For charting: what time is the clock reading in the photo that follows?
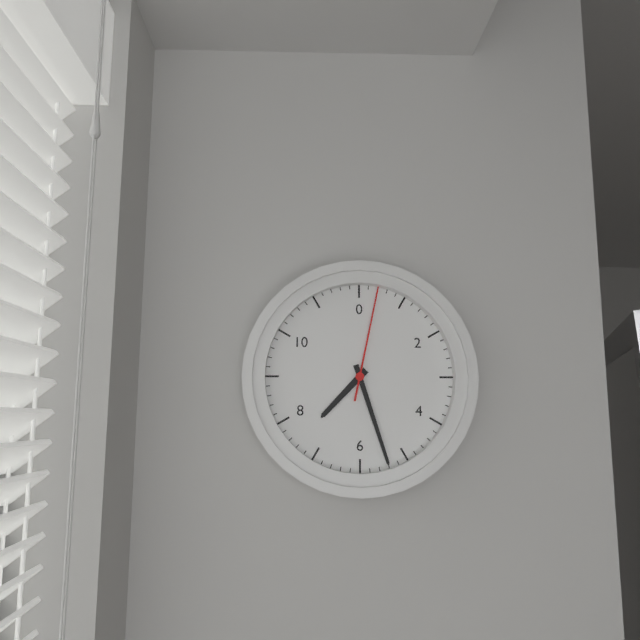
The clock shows 7:27:02
